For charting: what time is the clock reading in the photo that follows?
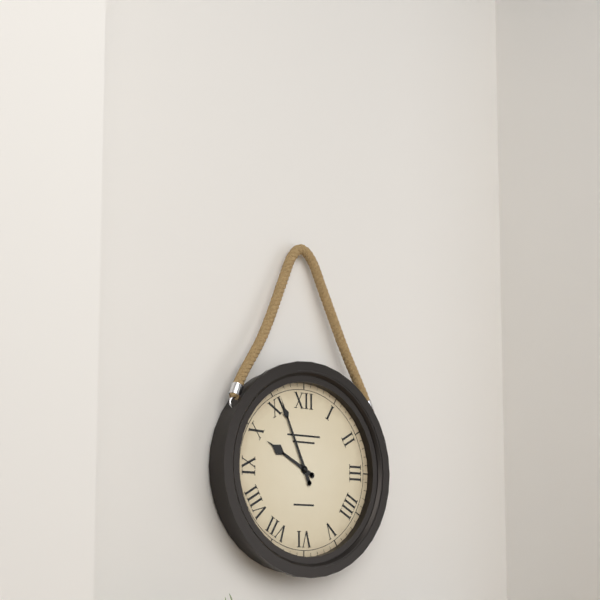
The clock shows 9:56
